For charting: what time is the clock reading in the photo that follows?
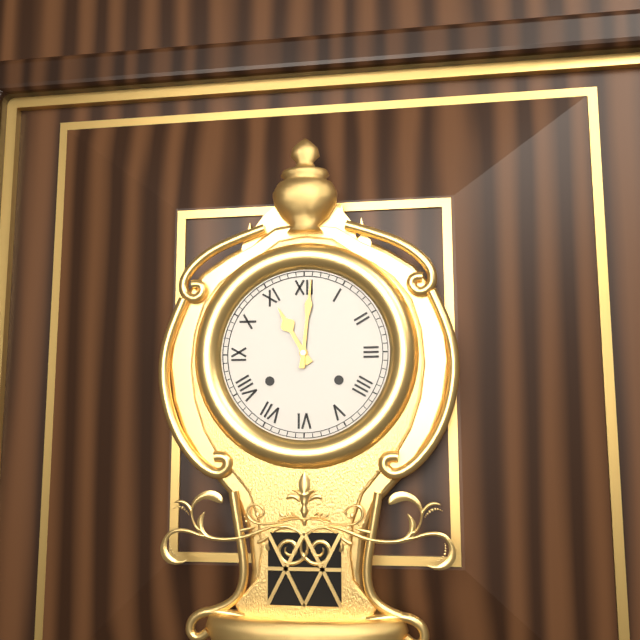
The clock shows 11:01
